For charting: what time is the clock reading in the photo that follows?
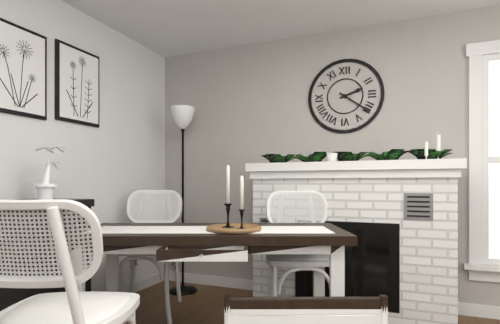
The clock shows 2:21
